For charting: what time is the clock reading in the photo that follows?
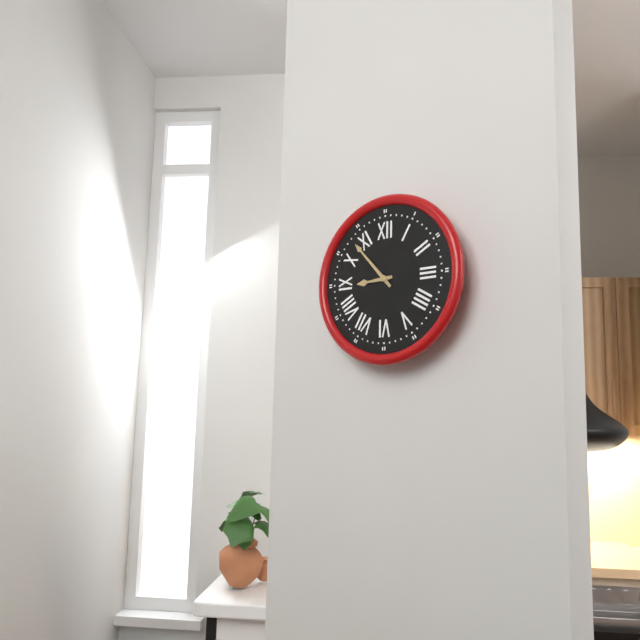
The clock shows 8:53
